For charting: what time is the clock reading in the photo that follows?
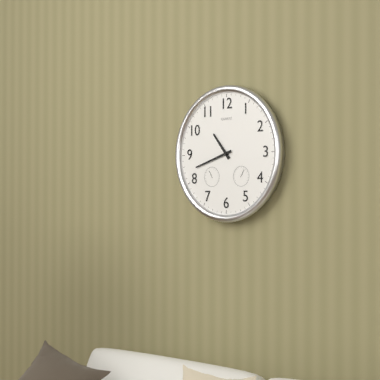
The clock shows 10:42
